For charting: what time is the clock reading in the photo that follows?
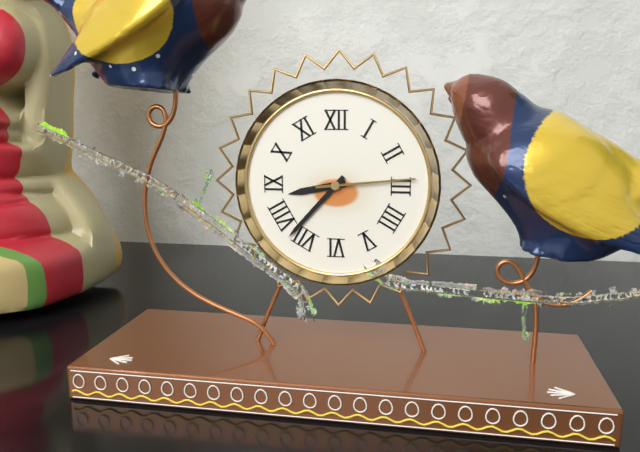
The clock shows 8:37:14
